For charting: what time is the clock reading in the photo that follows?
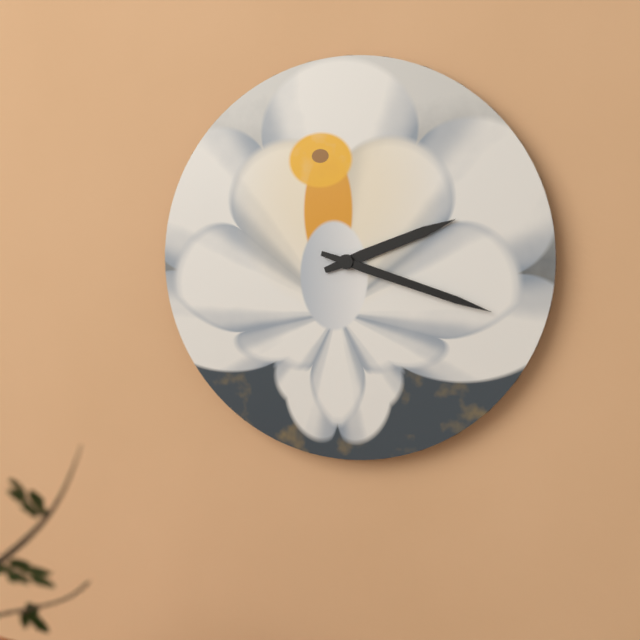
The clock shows 2:18
